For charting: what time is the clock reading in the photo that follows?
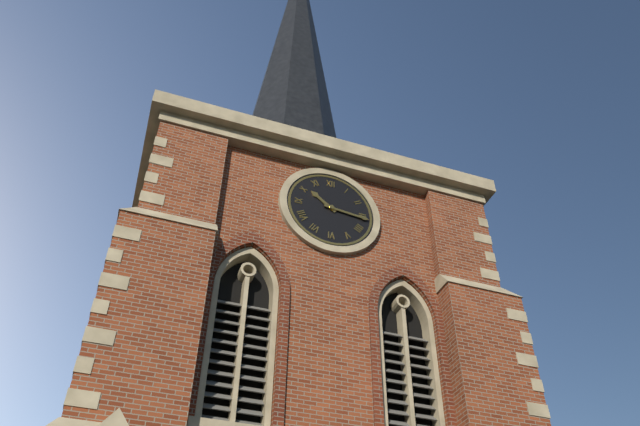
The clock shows 10:16
